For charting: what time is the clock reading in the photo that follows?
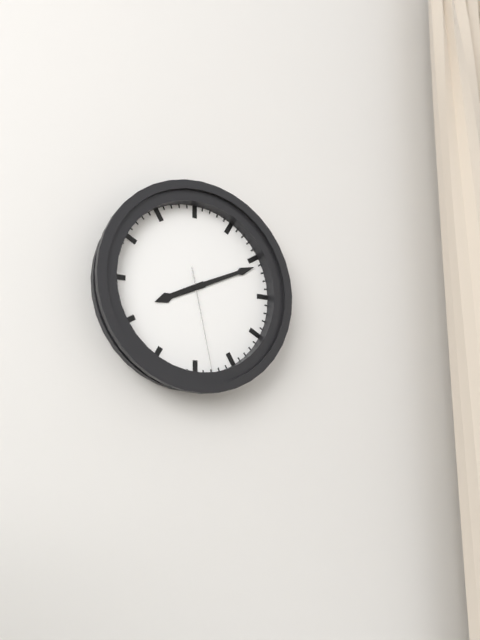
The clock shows 8:11:28
